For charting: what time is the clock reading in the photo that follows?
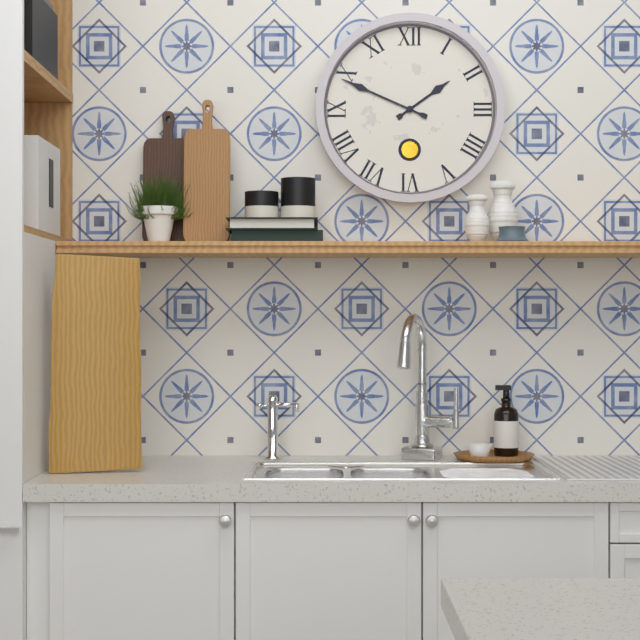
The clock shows 1:49
